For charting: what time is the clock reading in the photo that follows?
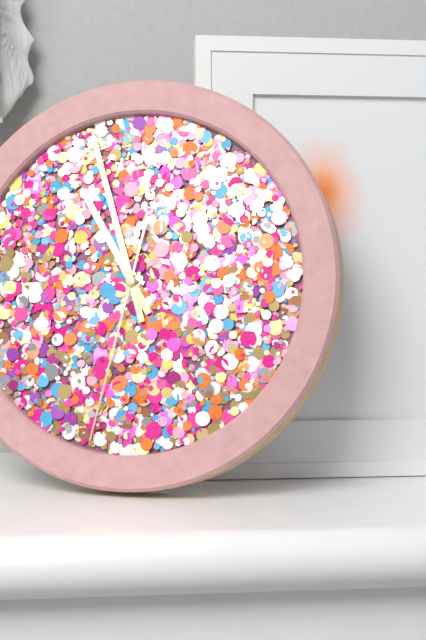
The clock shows 10:57:32
